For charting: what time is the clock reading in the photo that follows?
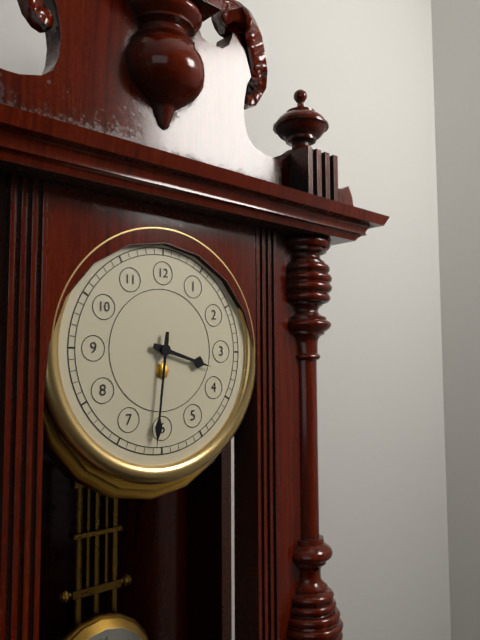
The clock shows 3:31
